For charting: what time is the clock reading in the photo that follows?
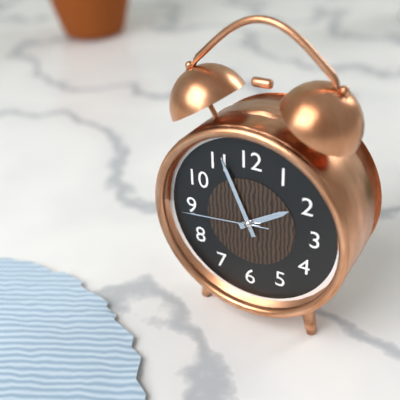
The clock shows 1:56:44
